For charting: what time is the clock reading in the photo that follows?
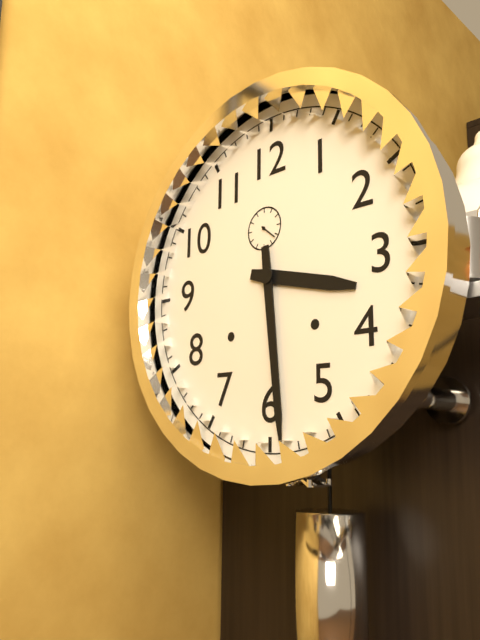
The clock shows 3:29
